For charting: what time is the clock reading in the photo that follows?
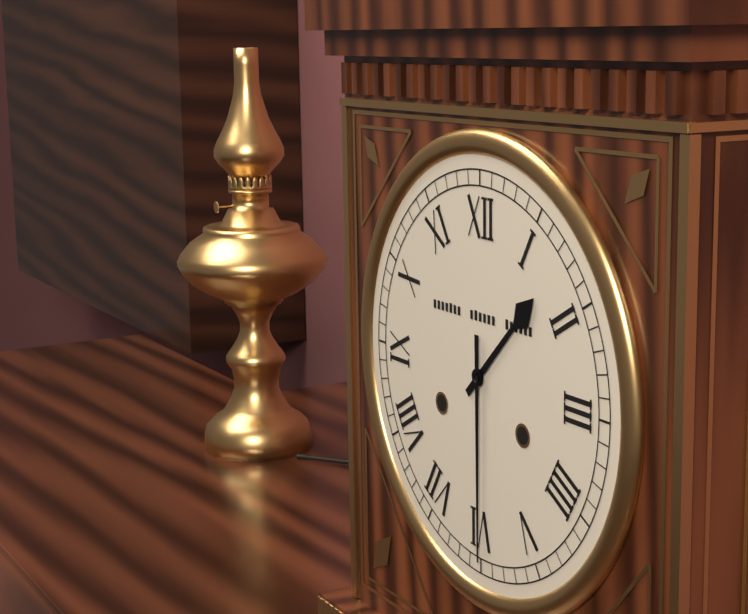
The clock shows 1:30
